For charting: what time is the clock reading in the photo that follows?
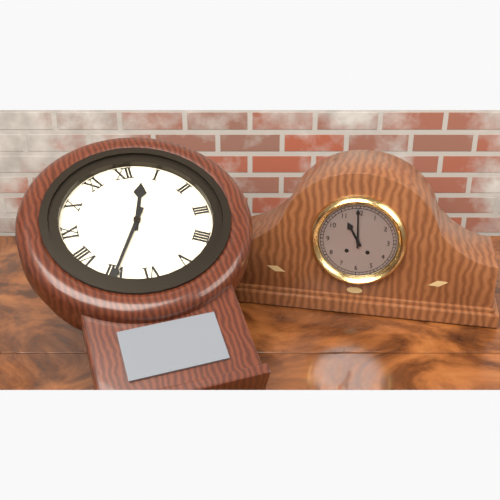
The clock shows 12:35
